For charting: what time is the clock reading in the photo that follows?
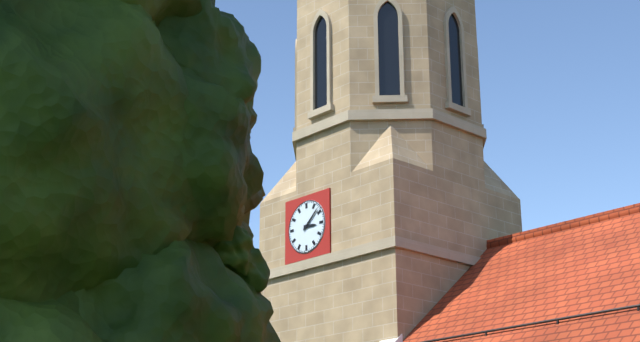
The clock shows 3:08
